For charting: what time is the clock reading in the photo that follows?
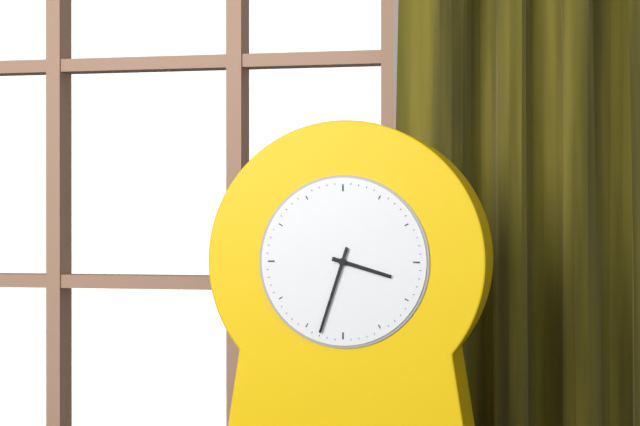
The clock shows 3:33
